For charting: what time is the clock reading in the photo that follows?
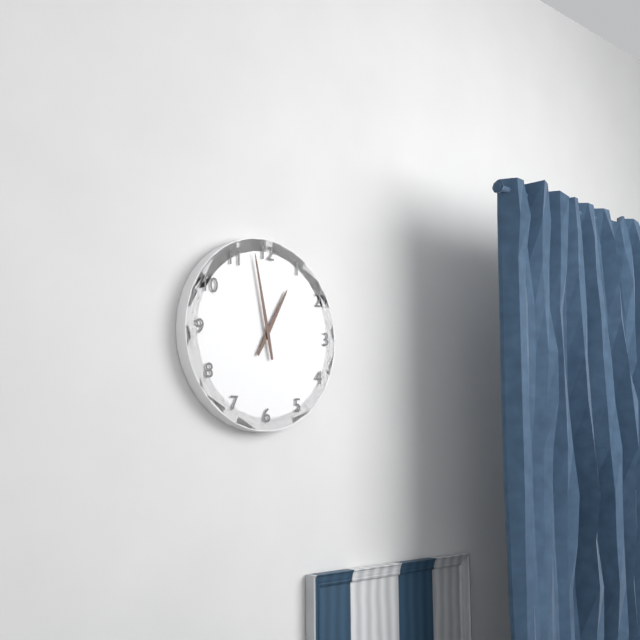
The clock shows 12:58
